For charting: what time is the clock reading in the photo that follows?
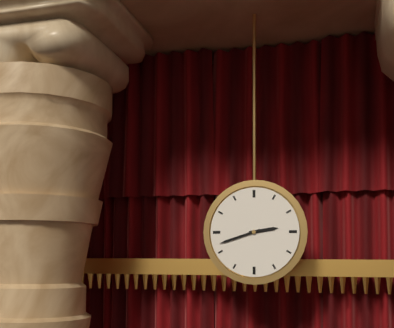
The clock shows 2:42
